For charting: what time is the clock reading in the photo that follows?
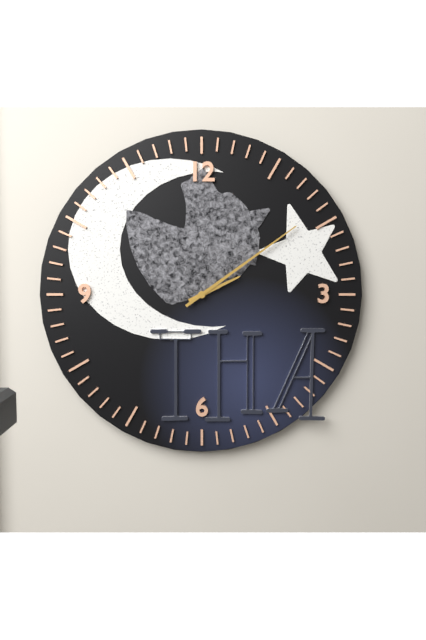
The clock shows 2:09
